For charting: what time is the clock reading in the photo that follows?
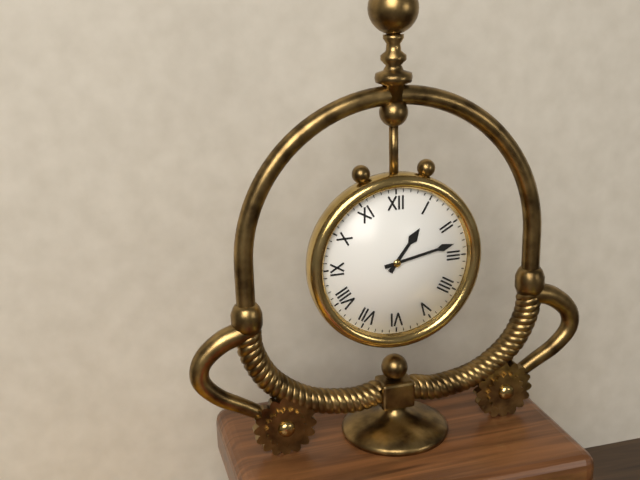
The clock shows 1:13
